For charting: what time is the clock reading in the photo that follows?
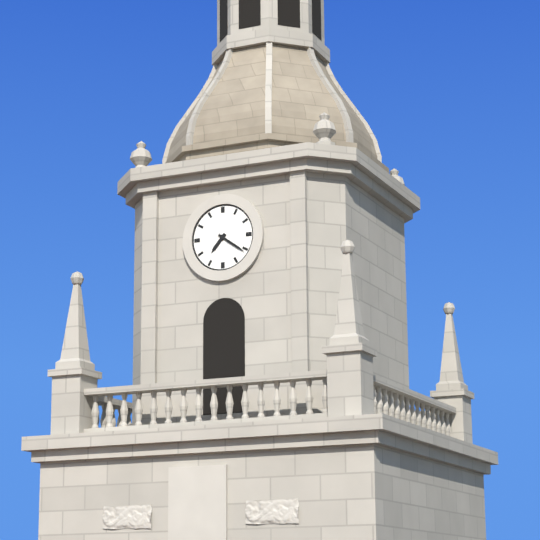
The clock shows 7:21
